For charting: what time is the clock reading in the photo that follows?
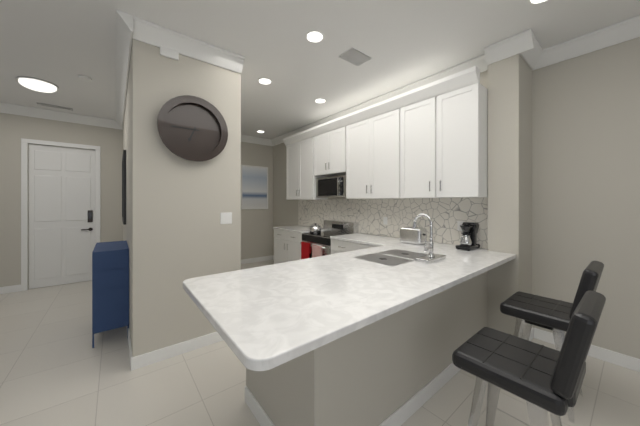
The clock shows 6:45
